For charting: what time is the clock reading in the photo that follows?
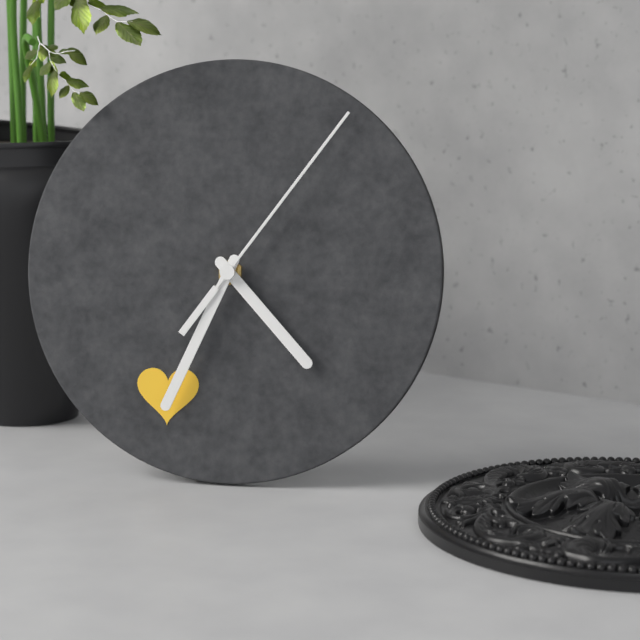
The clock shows 4:34:06
